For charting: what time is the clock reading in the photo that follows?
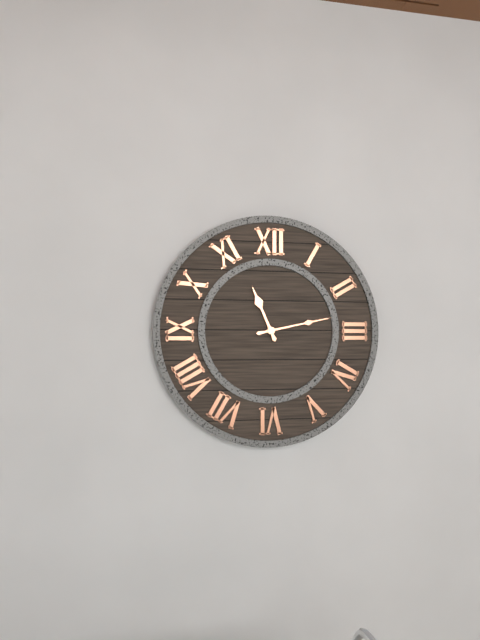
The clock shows 11:13
